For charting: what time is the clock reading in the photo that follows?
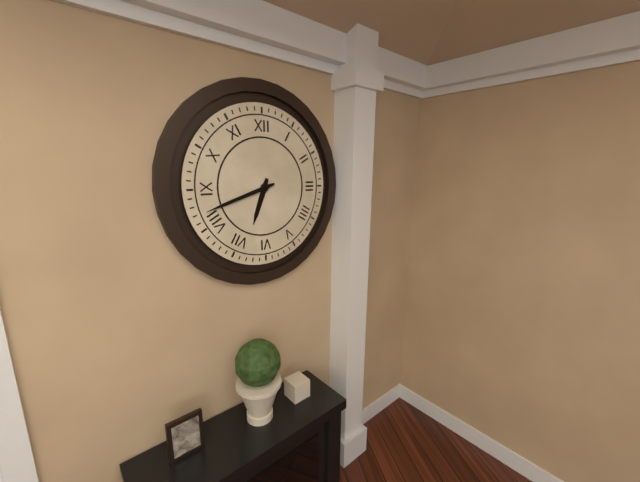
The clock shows 6:42
